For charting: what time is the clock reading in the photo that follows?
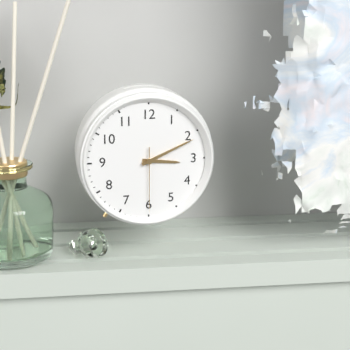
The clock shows 3:11:30
